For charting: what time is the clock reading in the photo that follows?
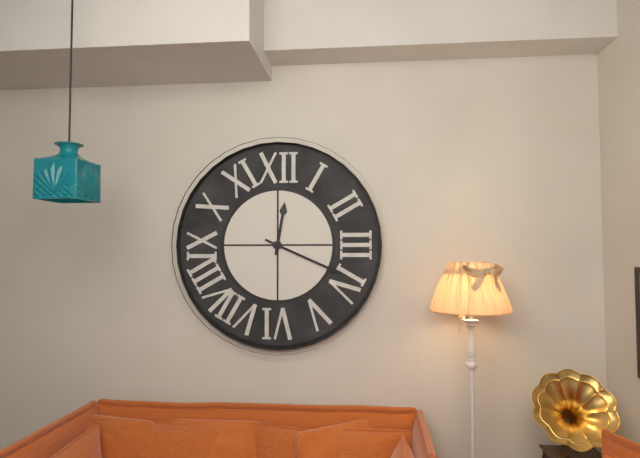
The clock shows 12:19
